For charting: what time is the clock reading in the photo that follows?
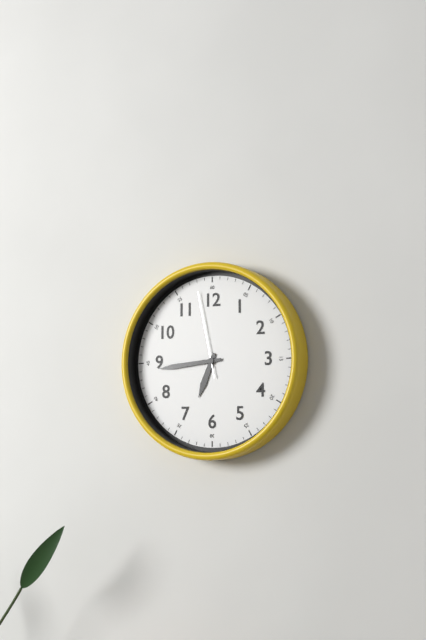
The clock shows 6:44:58
